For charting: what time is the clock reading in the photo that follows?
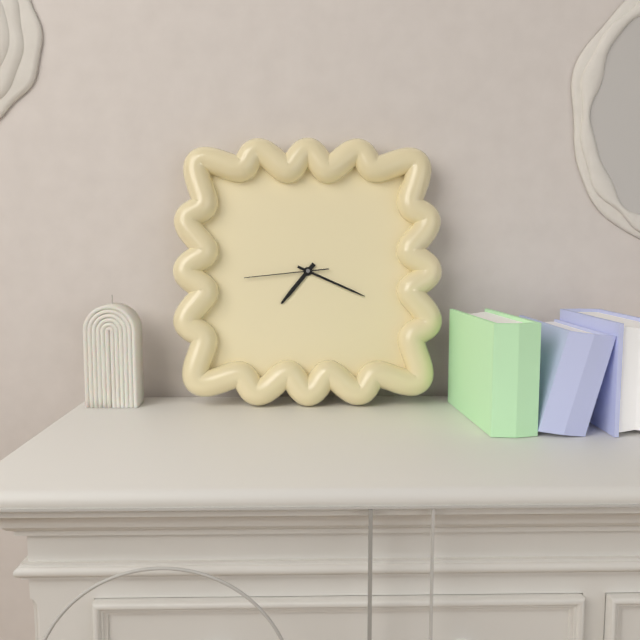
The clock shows 7:19:44
